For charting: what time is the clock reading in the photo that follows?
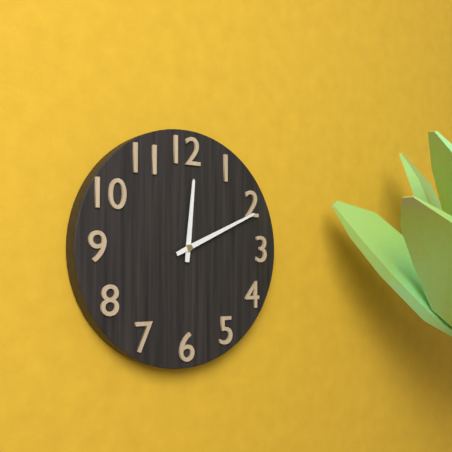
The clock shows 12:11
